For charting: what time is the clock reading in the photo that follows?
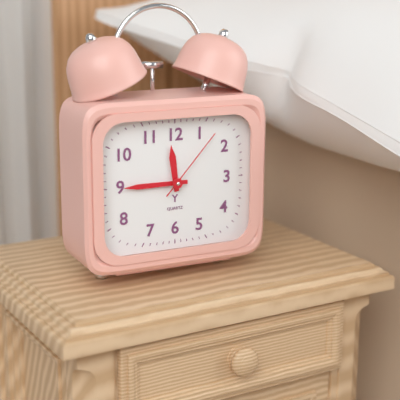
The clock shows 11:45:07
